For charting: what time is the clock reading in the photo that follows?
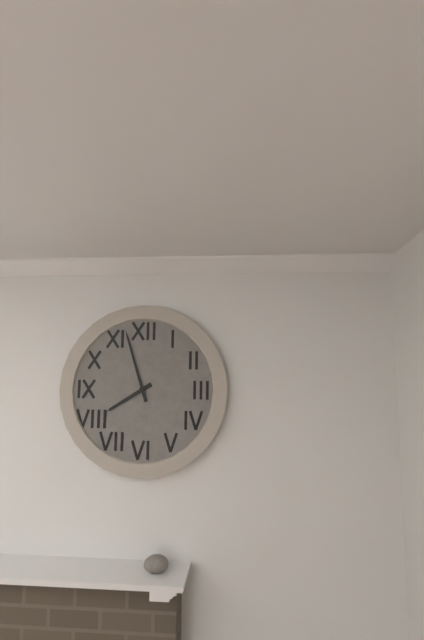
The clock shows 7:57
